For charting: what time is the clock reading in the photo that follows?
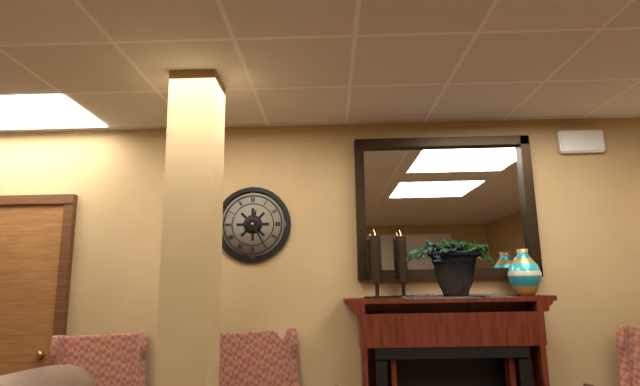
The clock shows 12:25
